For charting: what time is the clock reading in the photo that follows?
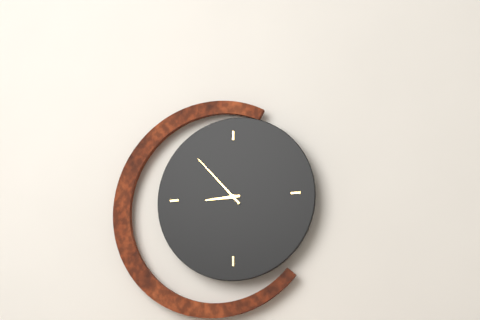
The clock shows 8:53
